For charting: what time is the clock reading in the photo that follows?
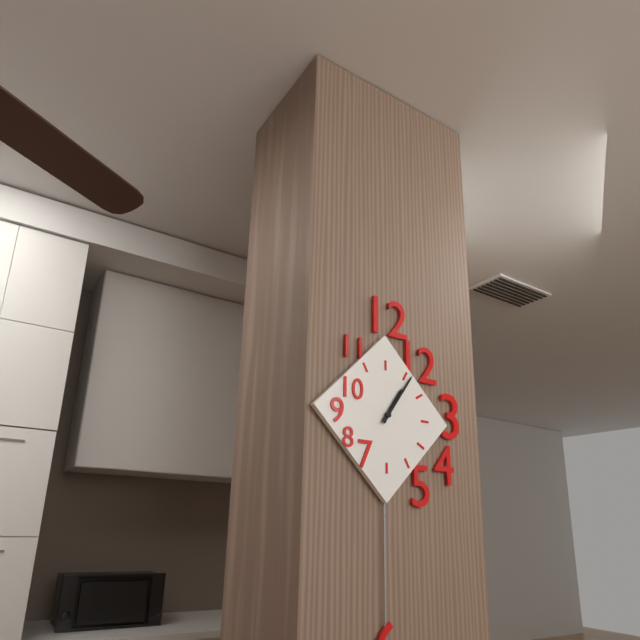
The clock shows 1:06
